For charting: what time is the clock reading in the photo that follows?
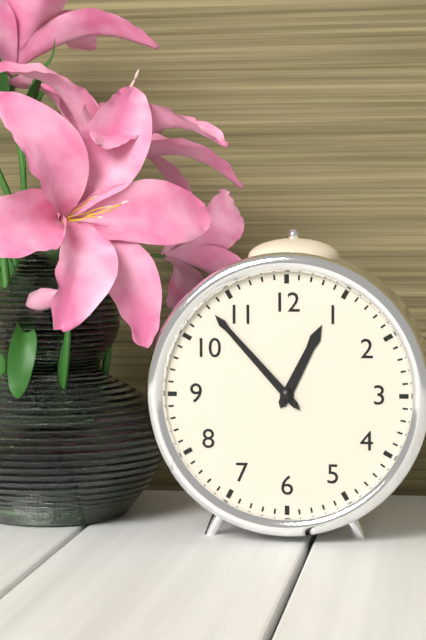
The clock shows 12:53
